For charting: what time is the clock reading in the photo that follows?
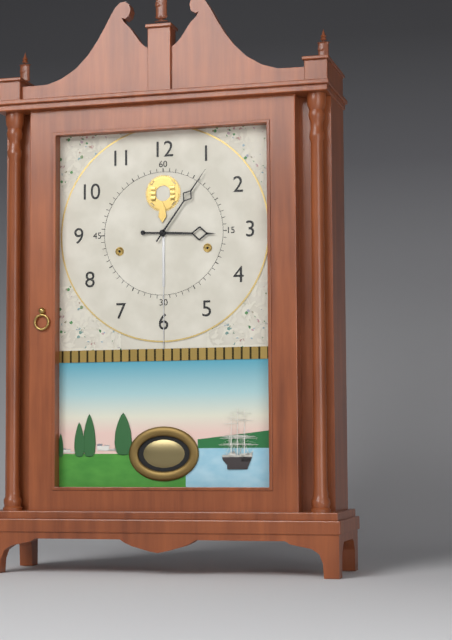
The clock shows 3:06
